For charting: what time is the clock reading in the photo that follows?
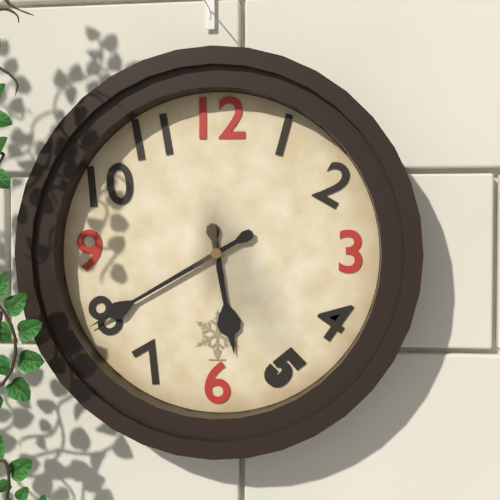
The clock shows 5:40
